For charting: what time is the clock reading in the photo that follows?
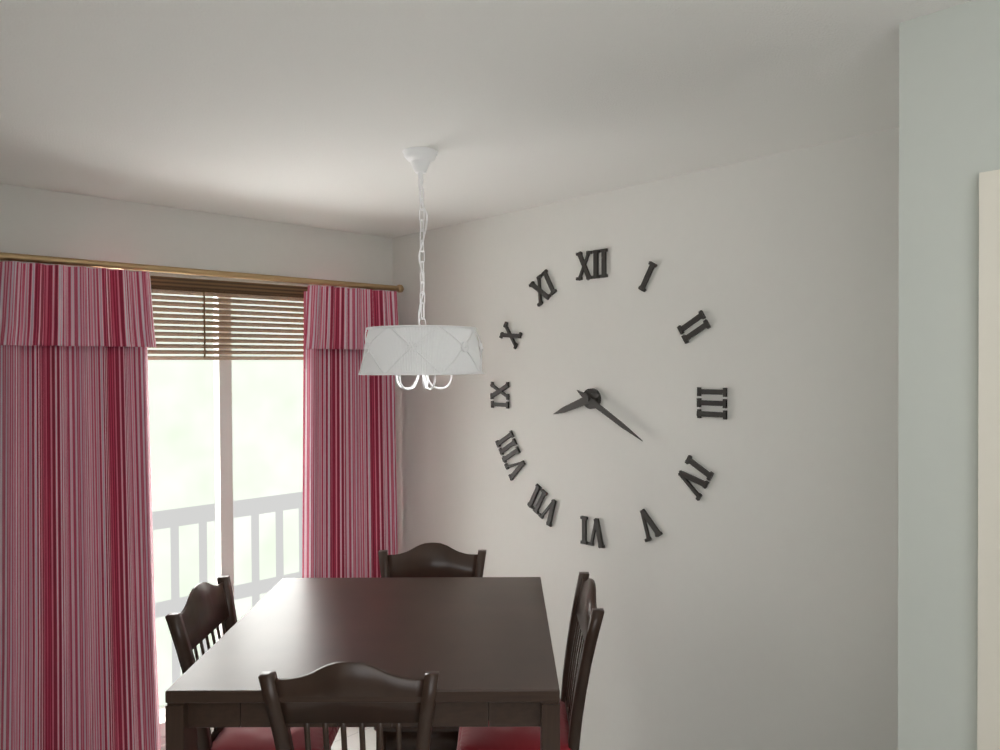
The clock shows 8:20
